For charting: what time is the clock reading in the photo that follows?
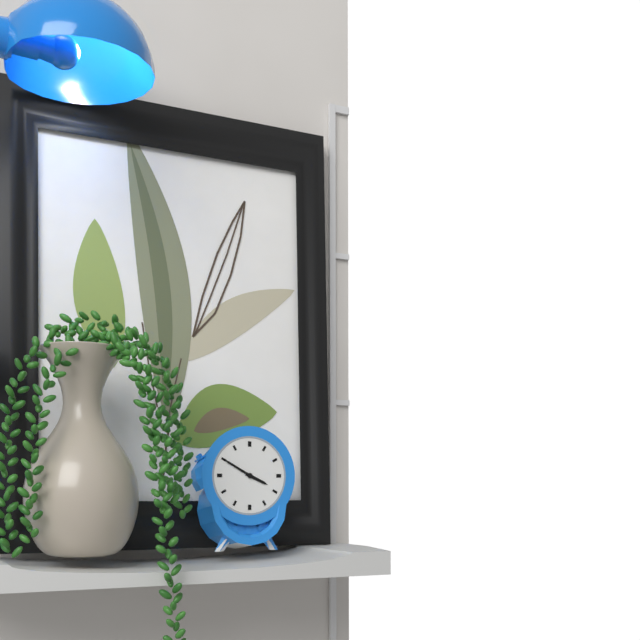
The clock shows 3:50
